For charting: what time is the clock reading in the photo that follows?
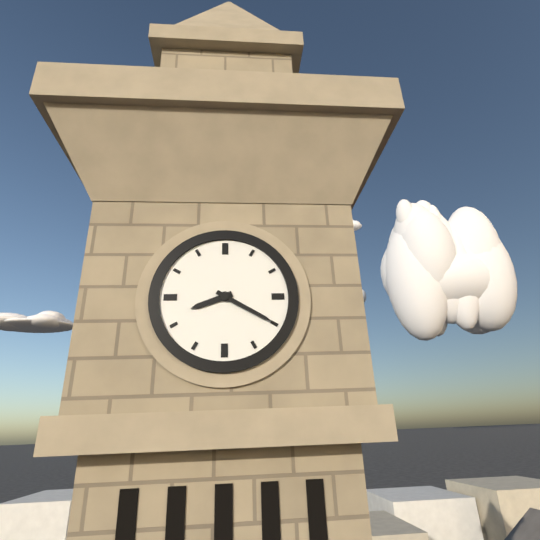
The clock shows 8:20
